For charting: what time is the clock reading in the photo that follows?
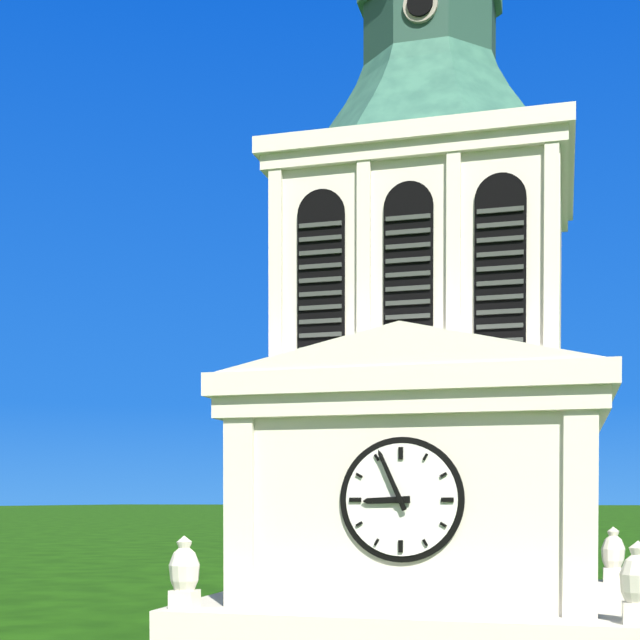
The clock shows 8:56
